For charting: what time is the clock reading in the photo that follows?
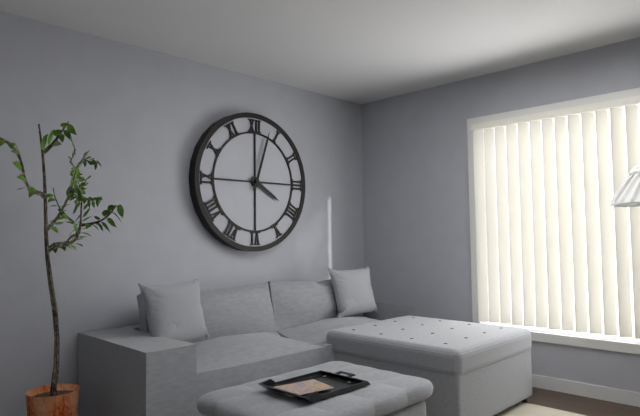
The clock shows 4:03
